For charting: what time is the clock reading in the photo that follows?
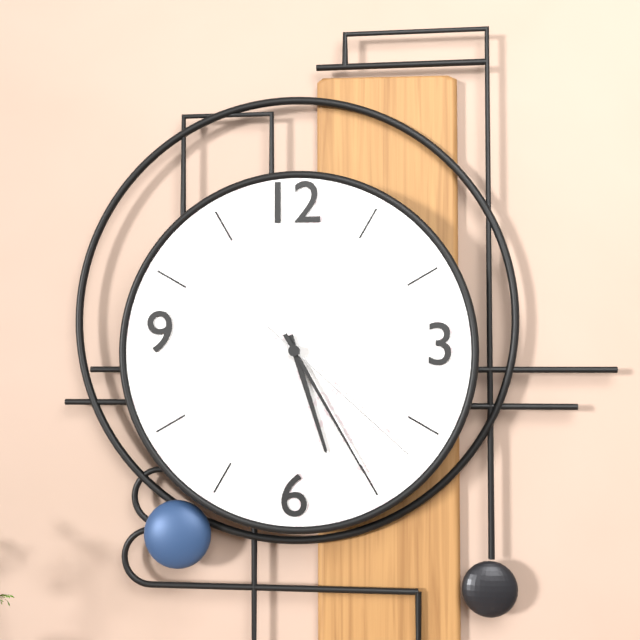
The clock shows 5:25:22
